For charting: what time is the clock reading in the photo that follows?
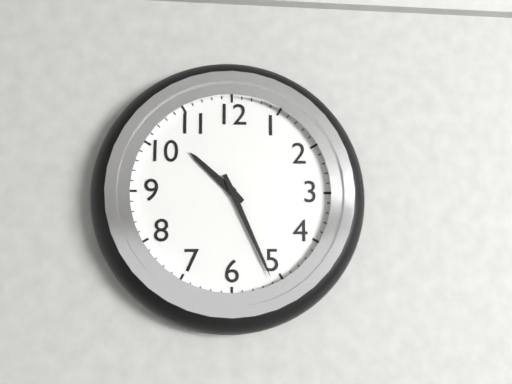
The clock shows 10:26
